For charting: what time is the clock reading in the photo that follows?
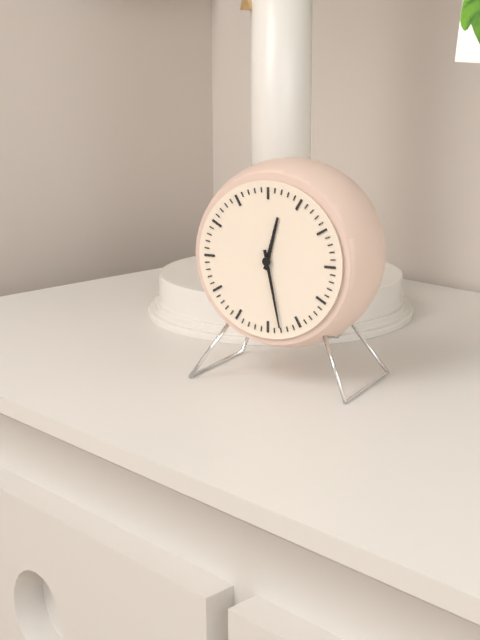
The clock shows 12:28
